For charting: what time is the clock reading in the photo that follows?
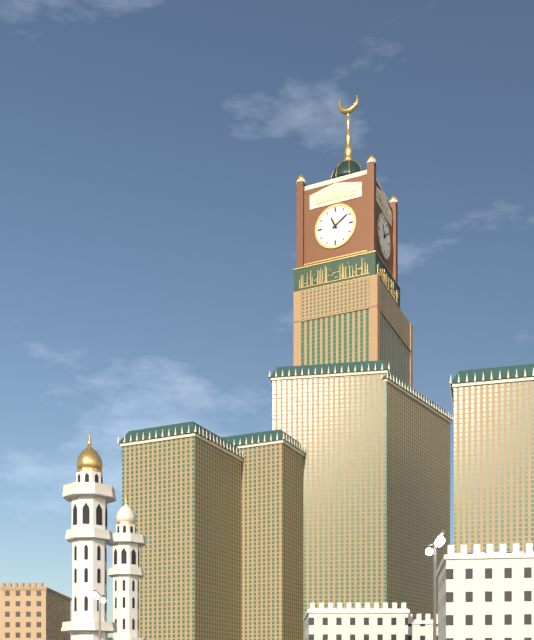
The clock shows 11:09
